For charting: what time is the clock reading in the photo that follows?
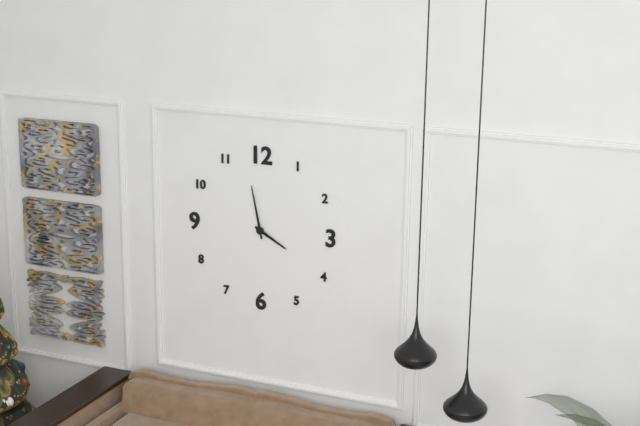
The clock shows 3:58
